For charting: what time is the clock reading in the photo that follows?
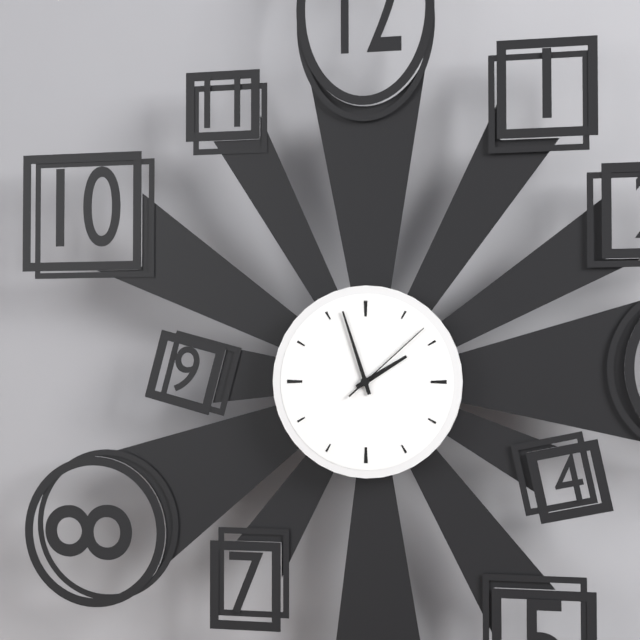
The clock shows 1:57:08
